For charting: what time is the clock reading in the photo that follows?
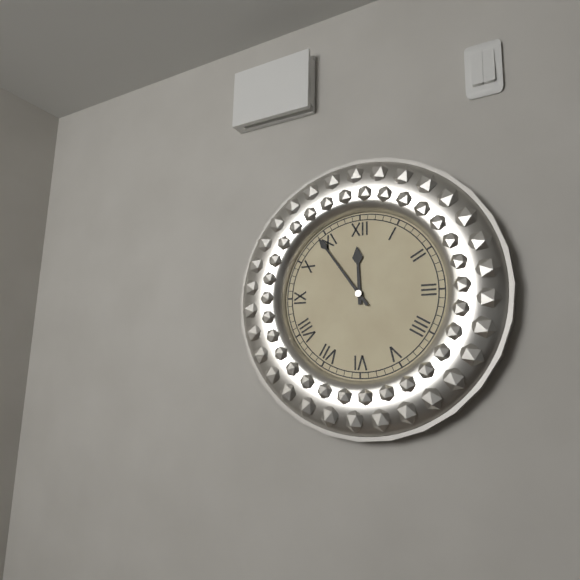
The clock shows 11:54
